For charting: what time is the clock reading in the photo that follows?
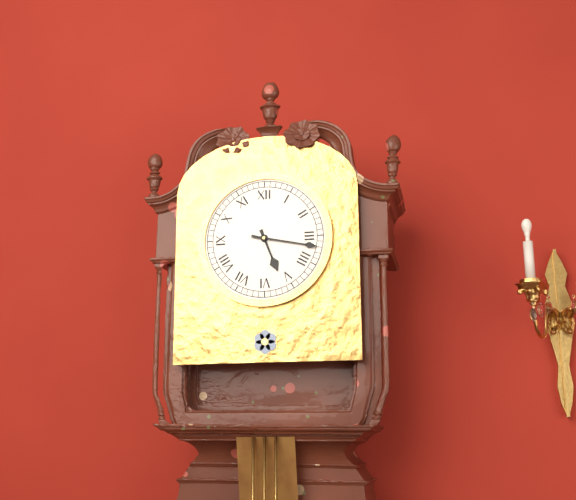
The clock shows 5:17
